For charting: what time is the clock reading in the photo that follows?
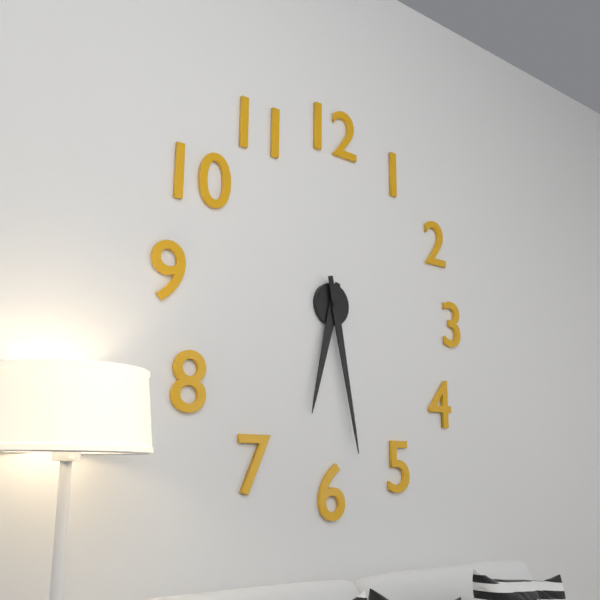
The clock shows 6:28
